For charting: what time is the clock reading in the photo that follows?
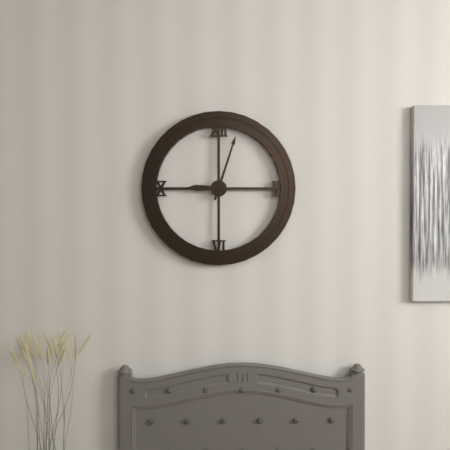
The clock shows 9:03
